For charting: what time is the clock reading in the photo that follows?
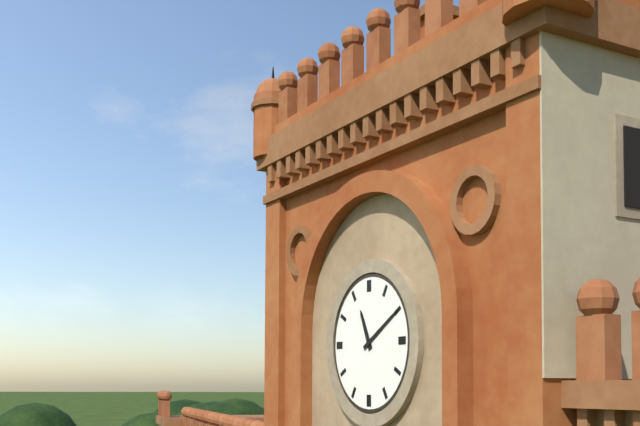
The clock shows 11:10
